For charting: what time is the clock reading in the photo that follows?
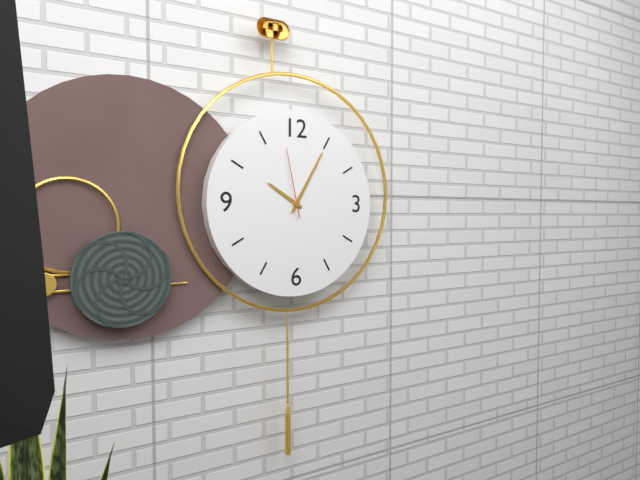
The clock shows 10:05:58
